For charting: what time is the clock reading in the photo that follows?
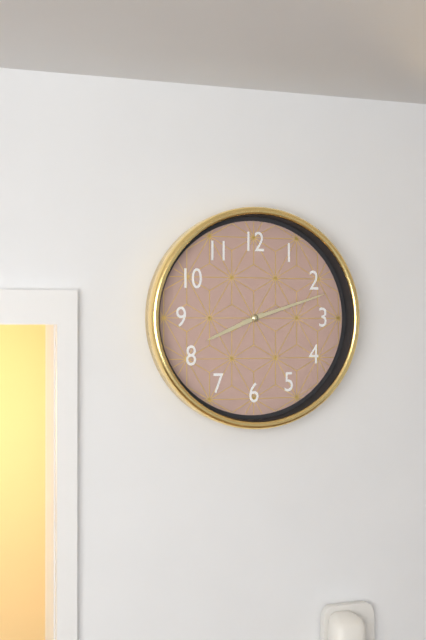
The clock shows 8:12
